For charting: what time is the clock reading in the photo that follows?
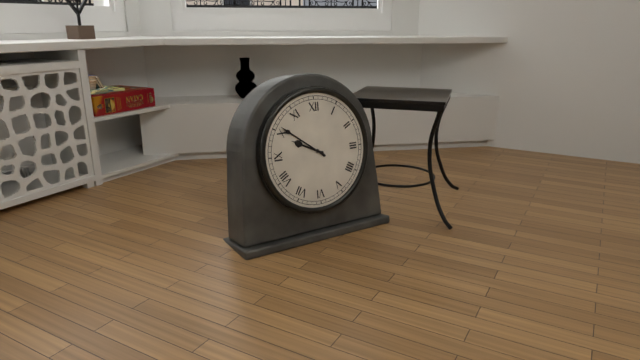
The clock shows 9:51
